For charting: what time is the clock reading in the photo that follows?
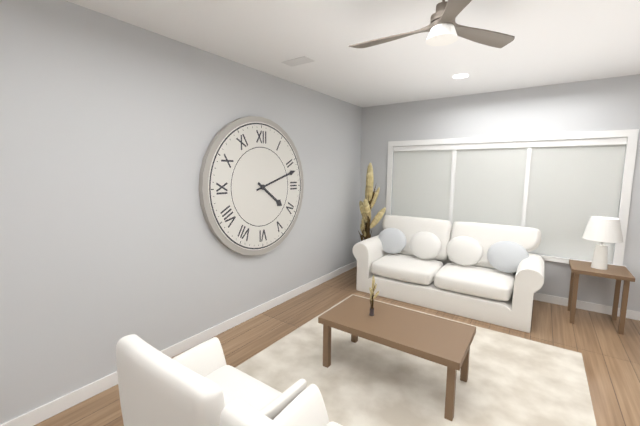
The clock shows 4:12
